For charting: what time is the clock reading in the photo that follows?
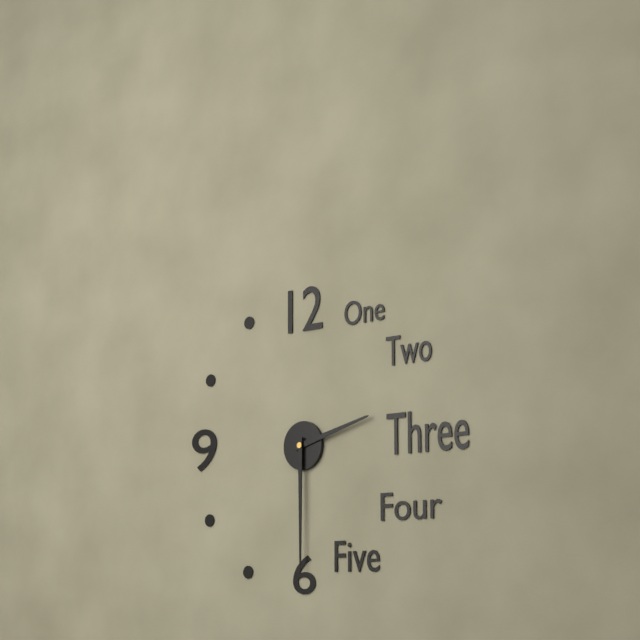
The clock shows 2:30
